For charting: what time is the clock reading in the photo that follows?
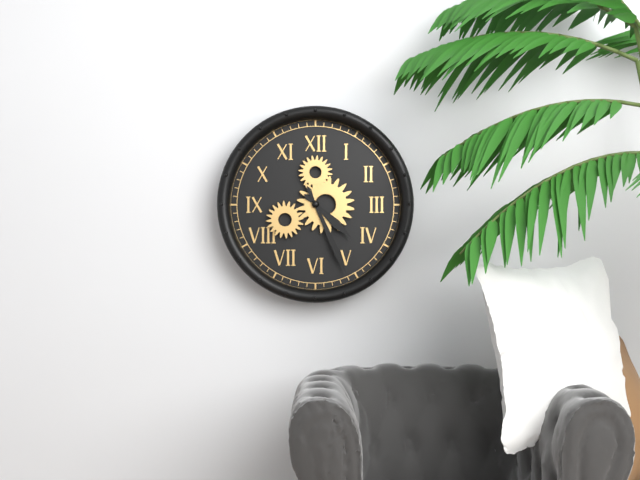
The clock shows 4:26
